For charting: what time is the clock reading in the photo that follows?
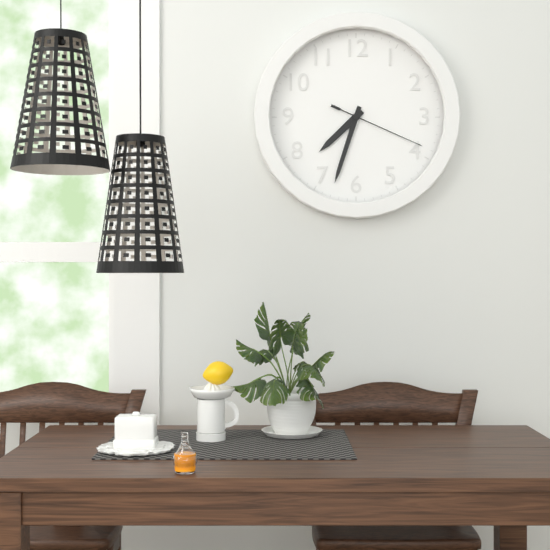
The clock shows 7:33:19
